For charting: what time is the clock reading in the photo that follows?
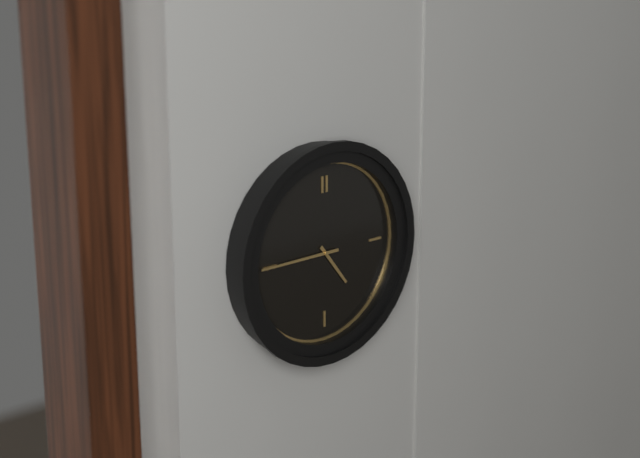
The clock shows 4:45
